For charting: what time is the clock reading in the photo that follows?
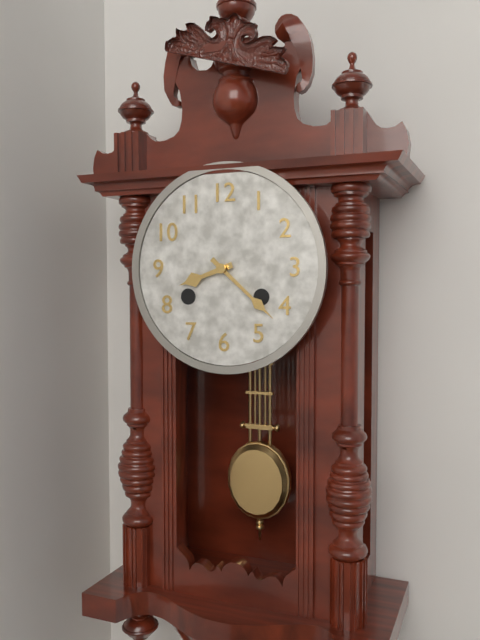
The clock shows 8:22
